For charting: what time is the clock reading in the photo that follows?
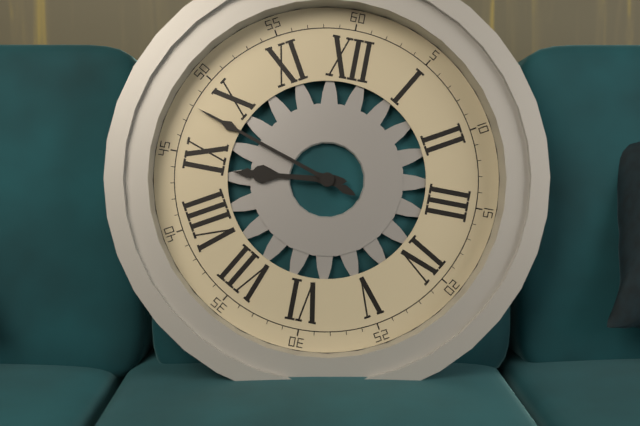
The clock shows 8:48
